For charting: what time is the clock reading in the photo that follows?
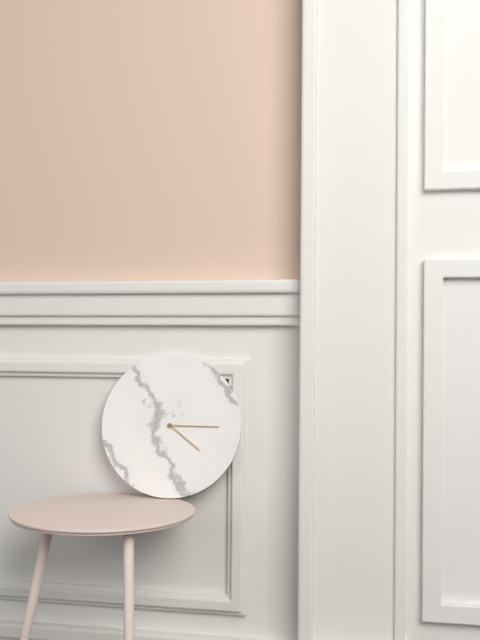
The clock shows 4:15
